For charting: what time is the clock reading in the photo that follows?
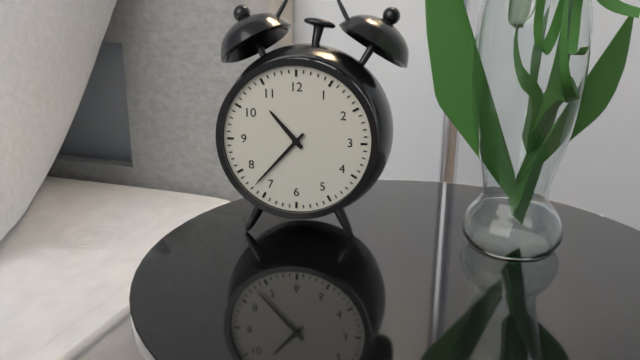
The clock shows 10:37
